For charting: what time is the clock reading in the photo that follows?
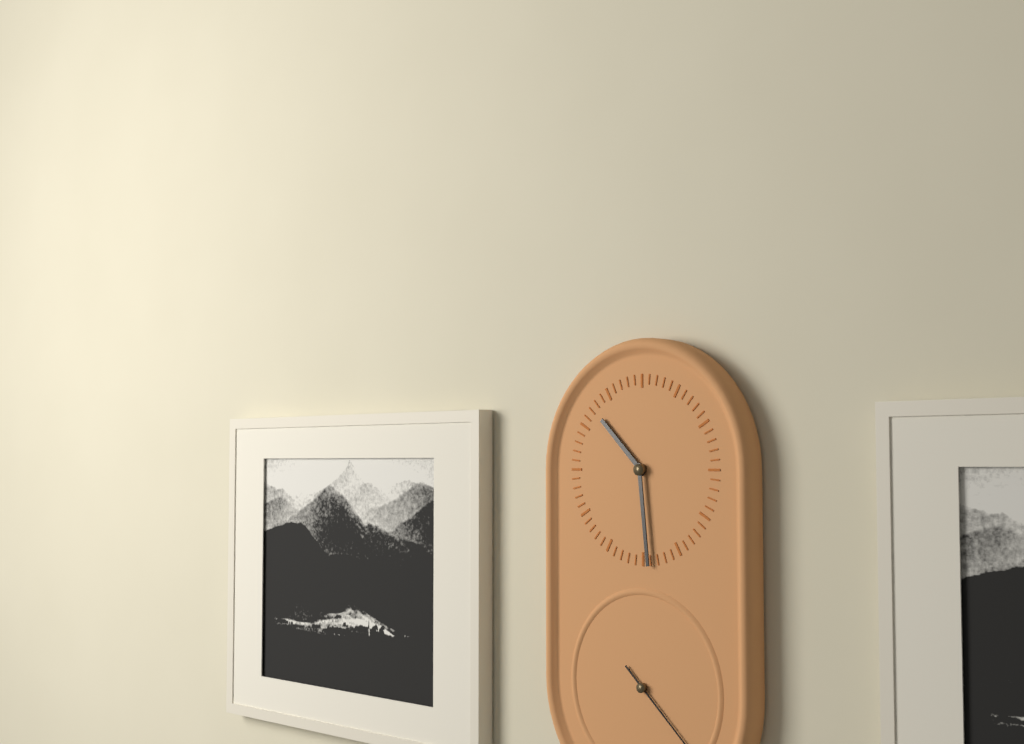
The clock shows 10:29
